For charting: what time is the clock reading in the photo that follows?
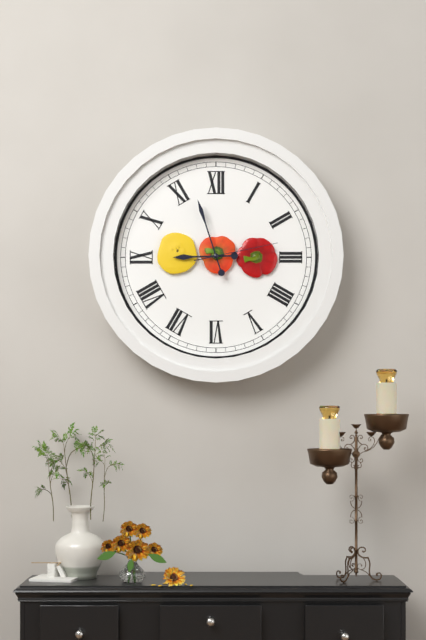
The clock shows 8:57:13
